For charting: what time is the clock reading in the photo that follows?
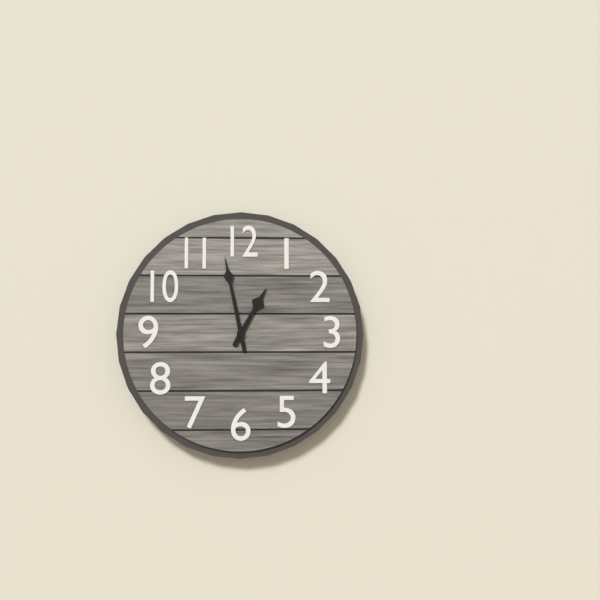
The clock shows 12:58
